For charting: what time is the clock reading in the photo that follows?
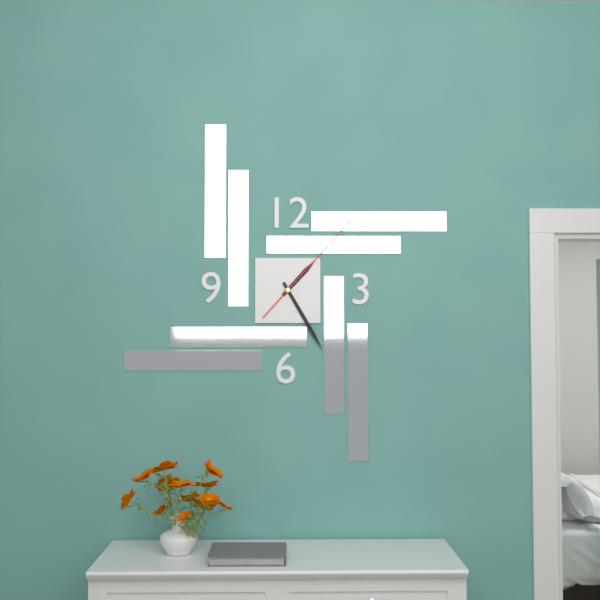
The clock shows 1:25:07
